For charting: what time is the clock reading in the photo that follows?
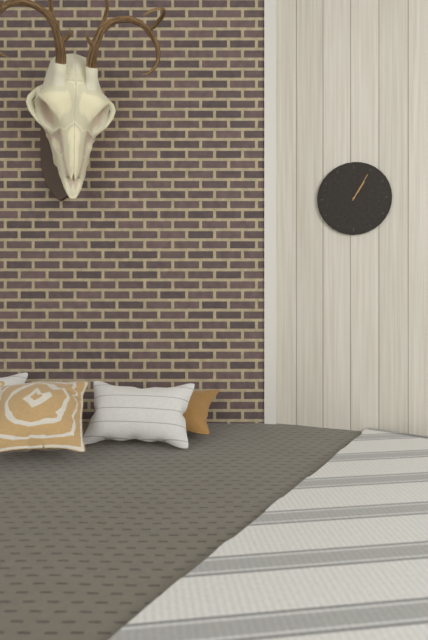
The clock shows 1:05
